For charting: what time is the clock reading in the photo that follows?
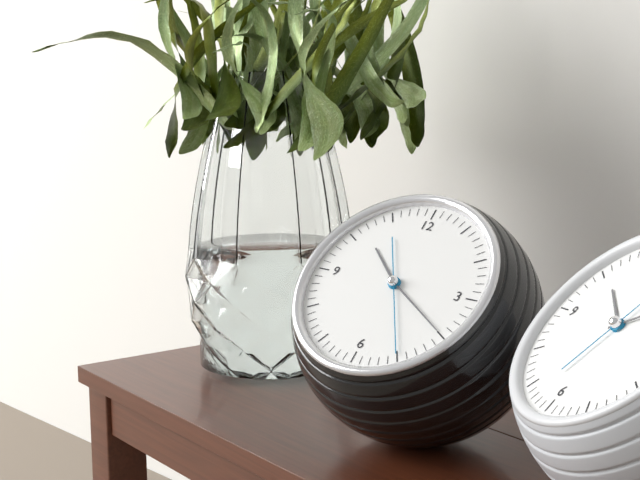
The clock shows 10:20:25
